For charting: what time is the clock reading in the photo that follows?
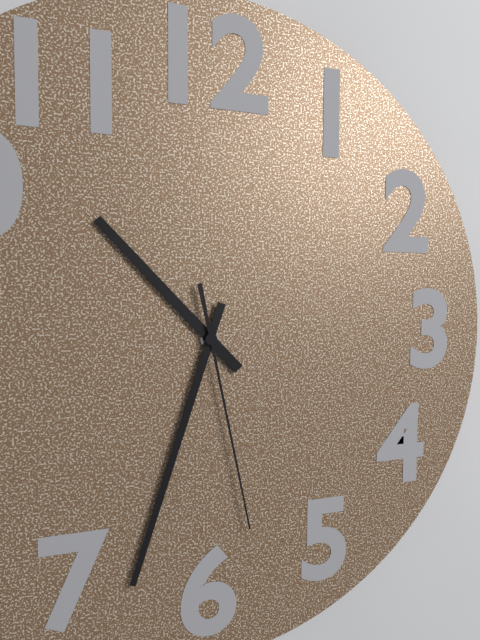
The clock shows 10:33:28
